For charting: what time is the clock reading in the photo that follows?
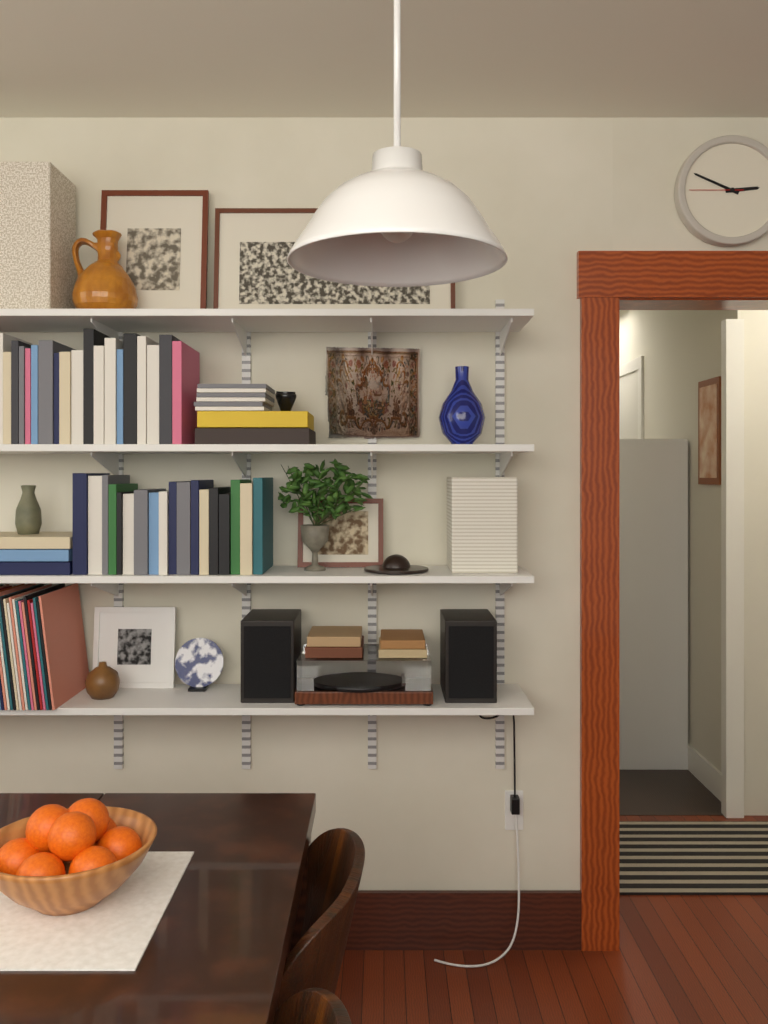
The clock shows 2:49
